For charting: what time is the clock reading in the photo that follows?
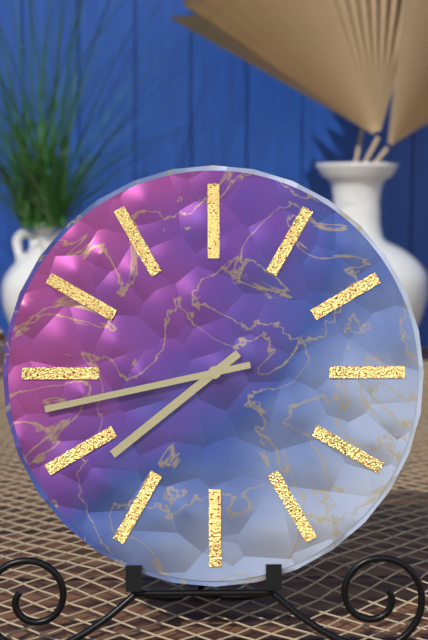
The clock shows 7:43
